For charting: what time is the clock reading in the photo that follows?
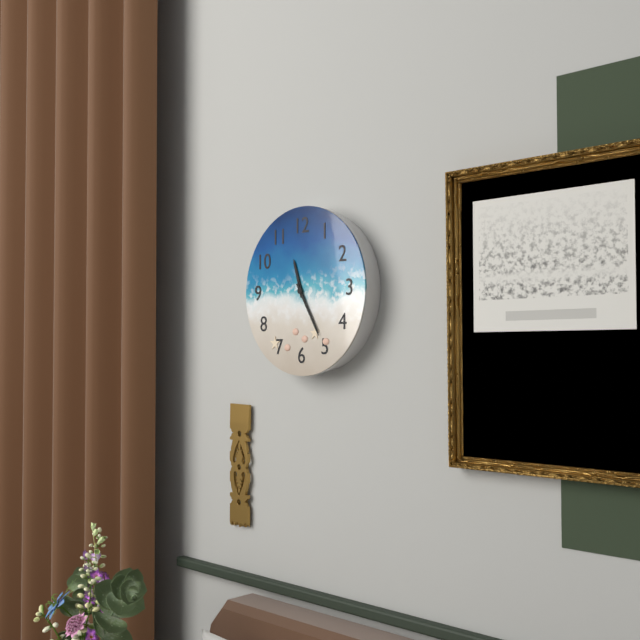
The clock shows 11:25
